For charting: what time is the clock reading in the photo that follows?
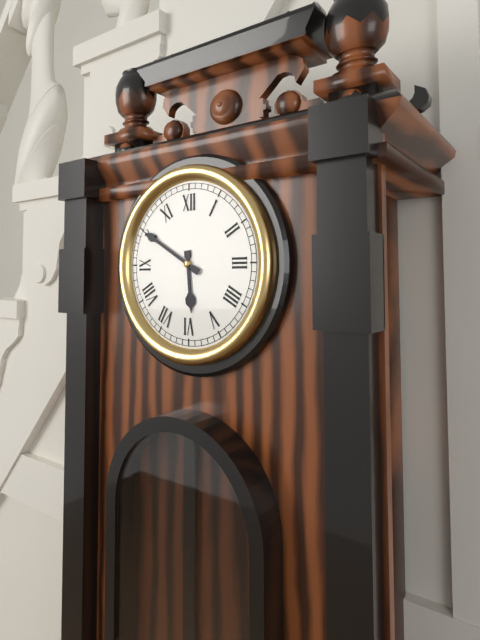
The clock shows 5:50
